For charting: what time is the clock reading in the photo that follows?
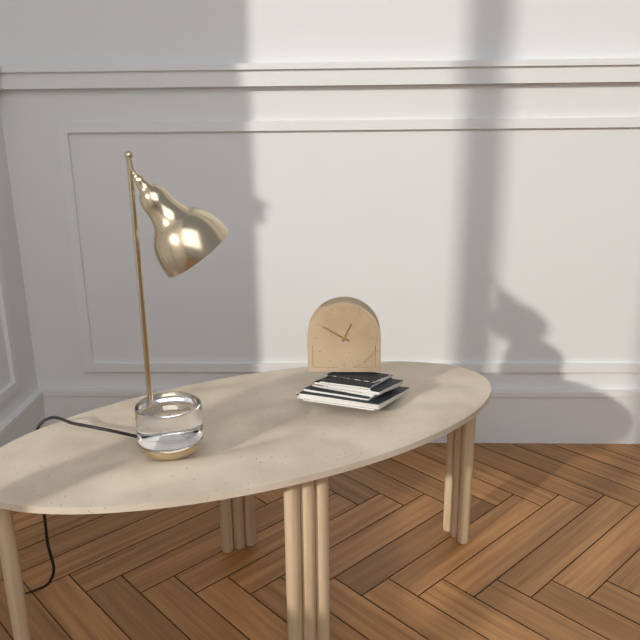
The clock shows 12:50
